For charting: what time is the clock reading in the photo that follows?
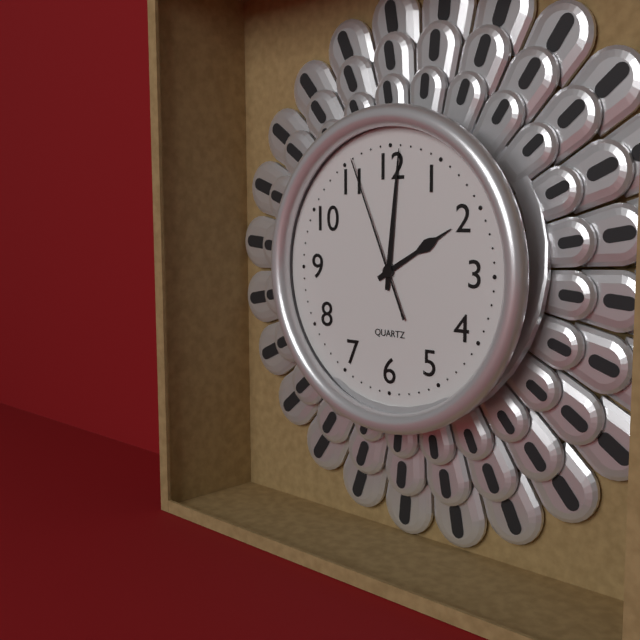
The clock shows 2:01:56
